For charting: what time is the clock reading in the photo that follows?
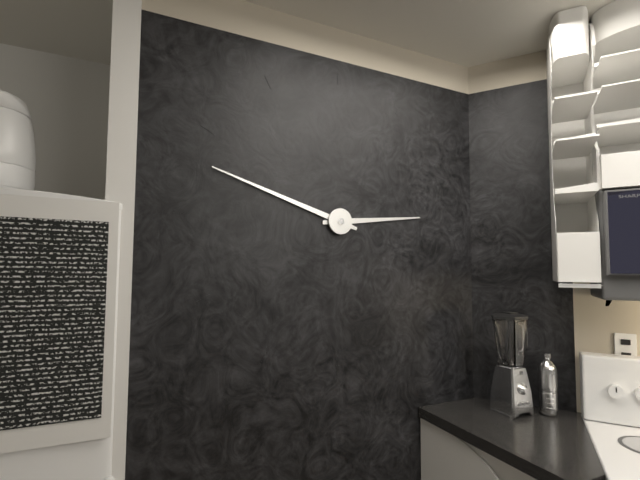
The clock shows 2:48
